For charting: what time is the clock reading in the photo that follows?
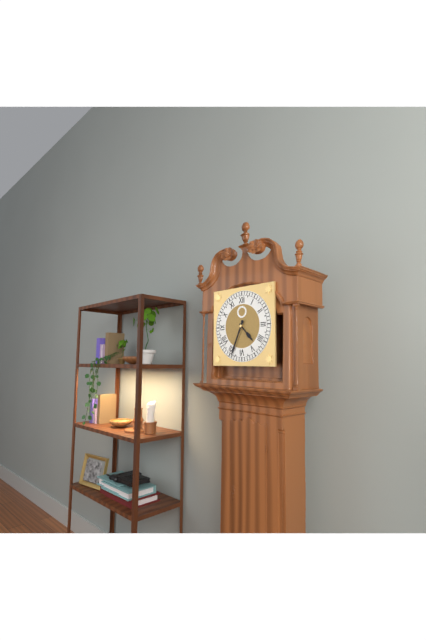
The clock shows 4:34
